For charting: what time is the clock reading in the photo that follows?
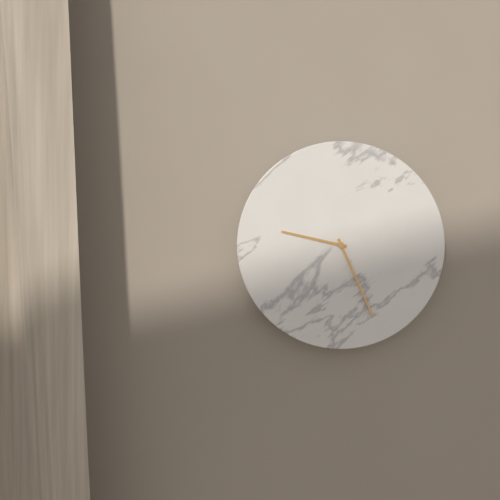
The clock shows 9:26
